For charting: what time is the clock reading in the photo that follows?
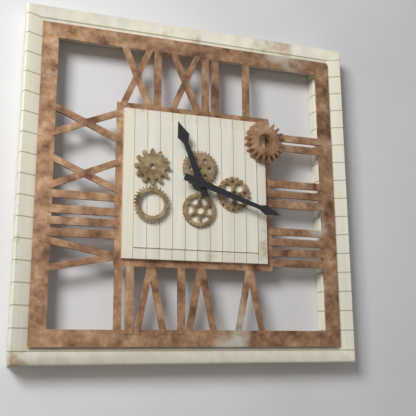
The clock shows 11:18
